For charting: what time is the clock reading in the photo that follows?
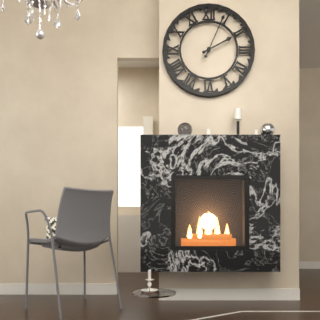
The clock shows 2:04
